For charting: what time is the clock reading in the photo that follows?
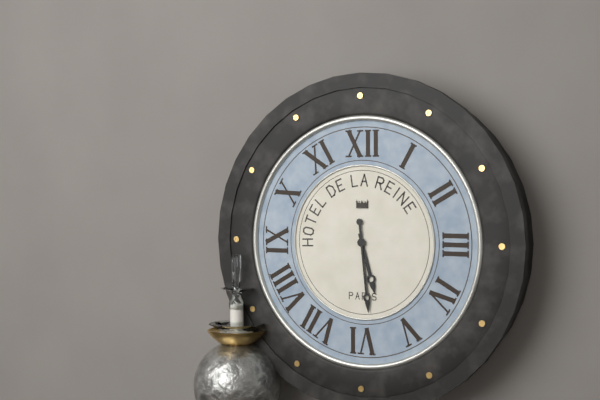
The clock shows 5:29
